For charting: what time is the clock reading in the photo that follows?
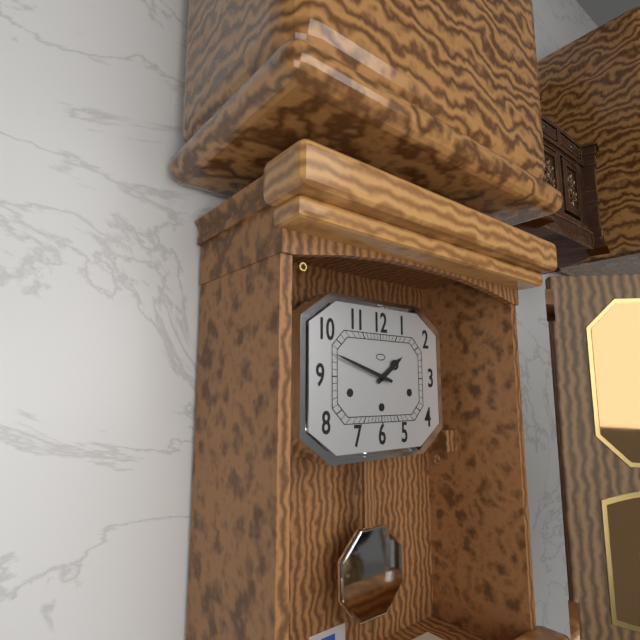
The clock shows 1:48
